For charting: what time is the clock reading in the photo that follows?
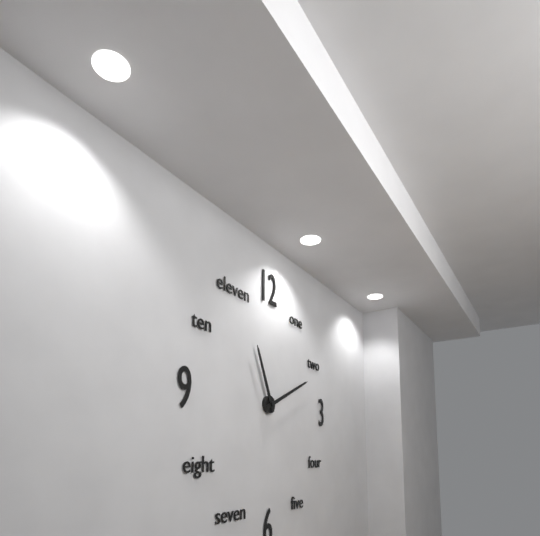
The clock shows 11:11
